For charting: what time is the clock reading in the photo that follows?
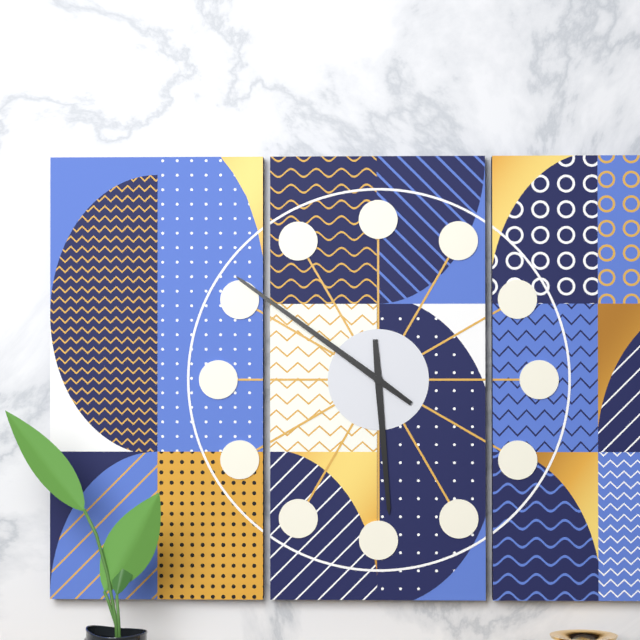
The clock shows 5:51
